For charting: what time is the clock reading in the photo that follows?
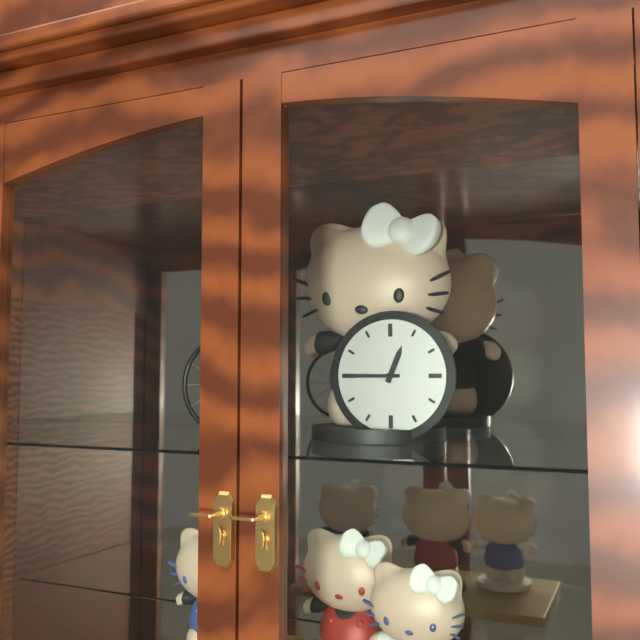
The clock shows 12:45
